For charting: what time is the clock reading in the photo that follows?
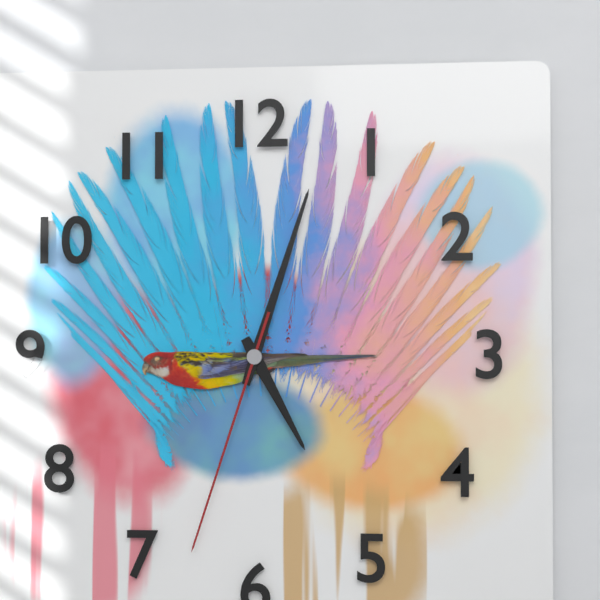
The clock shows 5:03:33
